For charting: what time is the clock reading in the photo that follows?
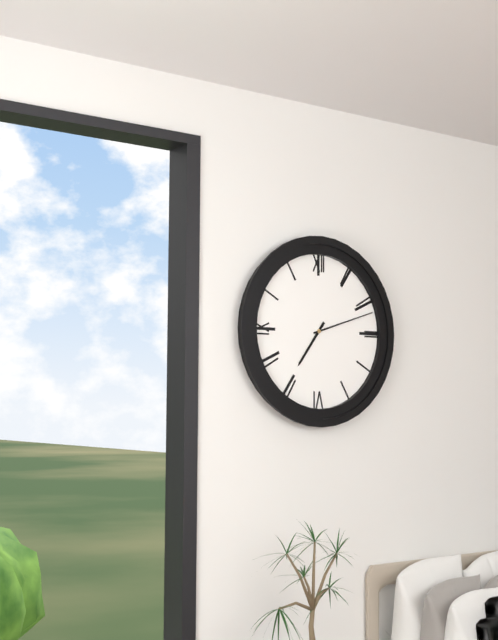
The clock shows 7:12
